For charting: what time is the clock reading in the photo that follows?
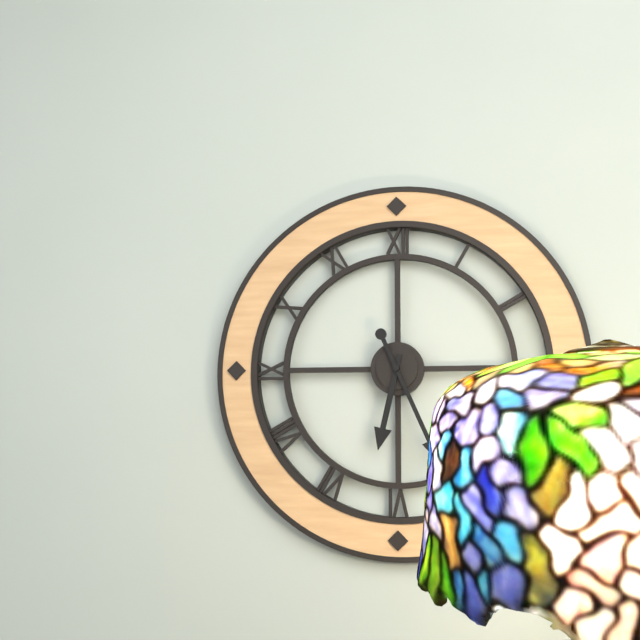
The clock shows 6:26
